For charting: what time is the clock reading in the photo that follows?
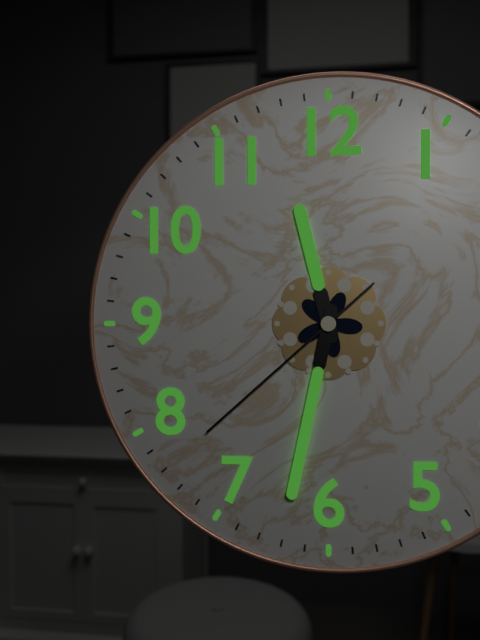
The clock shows 11:32:38
